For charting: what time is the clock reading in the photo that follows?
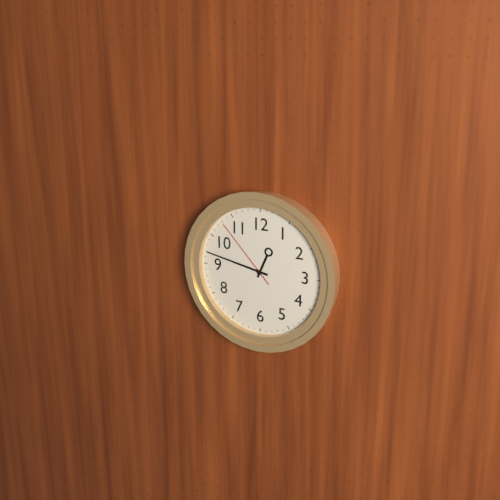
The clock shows 12:47:53
